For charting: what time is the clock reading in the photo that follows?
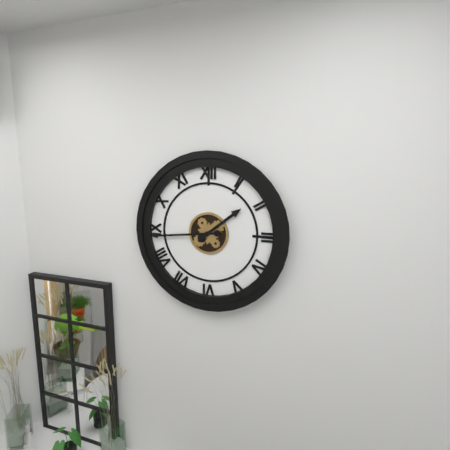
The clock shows 1:44
